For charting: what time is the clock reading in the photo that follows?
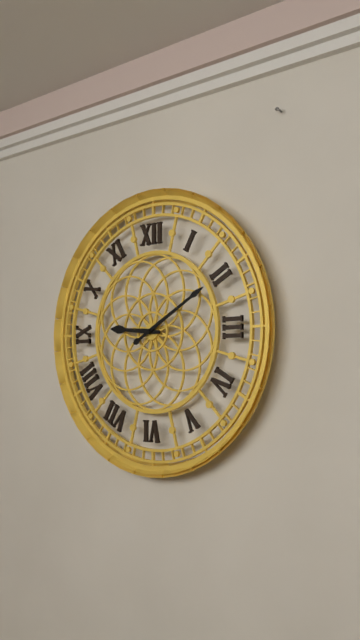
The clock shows 9:10
